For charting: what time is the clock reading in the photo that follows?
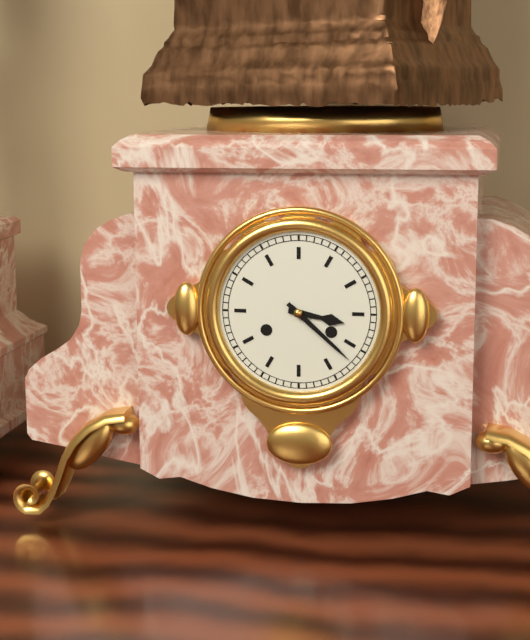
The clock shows 3:22
